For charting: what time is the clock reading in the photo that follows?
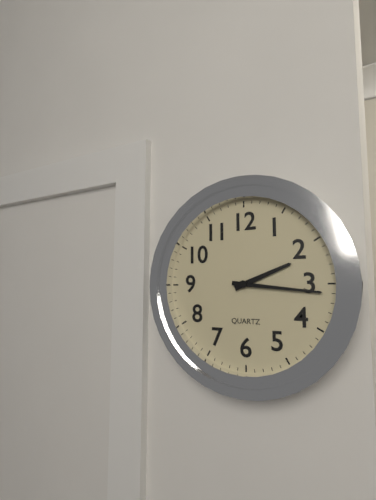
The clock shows 2:16
